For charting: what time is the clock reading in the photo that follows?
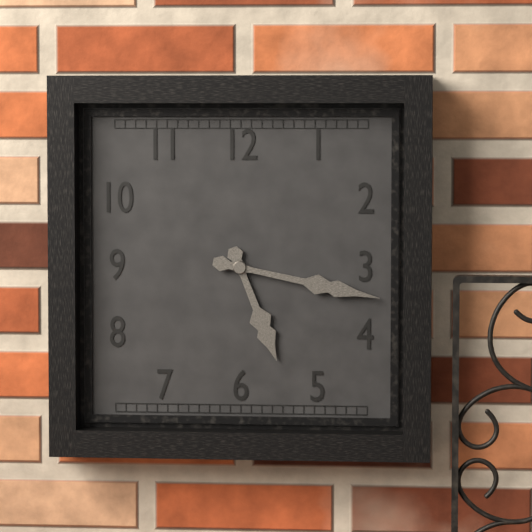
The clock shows 5:17
